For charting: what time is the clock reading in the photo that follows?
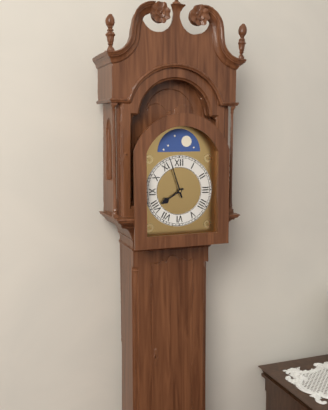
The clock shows 7:57
